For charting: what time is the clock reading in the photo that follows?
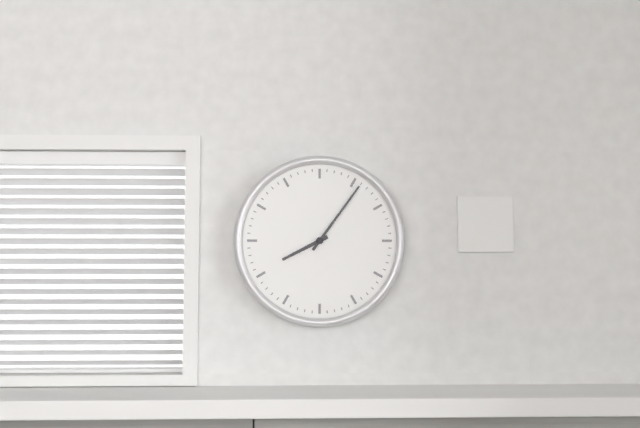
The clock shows 8:06
